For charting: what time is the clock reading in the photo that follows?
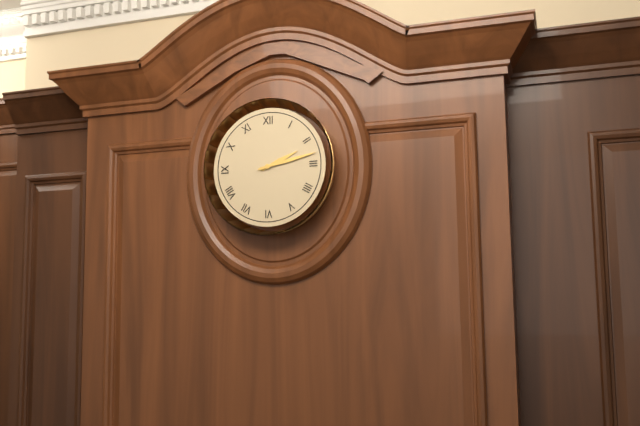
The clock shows 2:13
